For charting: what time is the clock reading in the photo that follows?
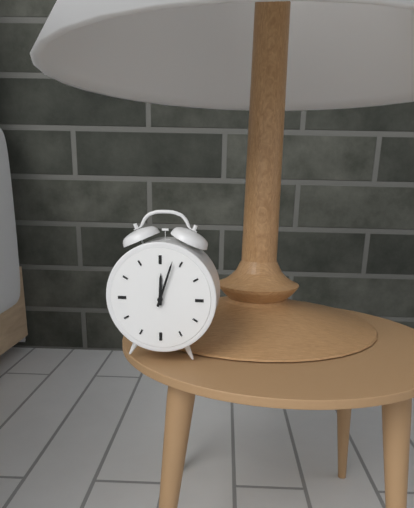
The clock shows 12:03
